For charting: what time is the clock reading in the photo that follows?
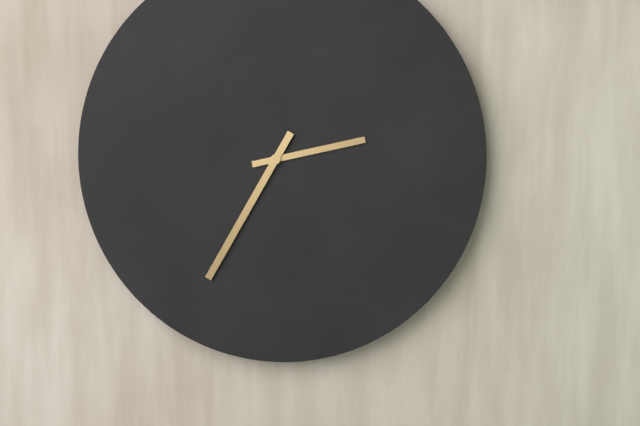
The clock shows 2:35
